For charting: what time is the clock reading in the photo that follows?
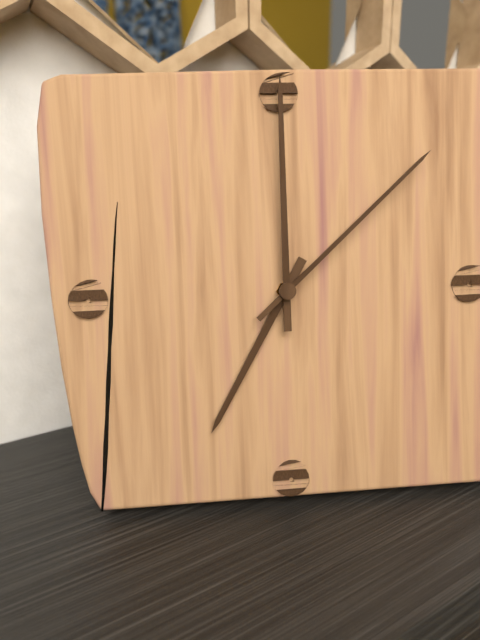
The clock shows 7:00:08
